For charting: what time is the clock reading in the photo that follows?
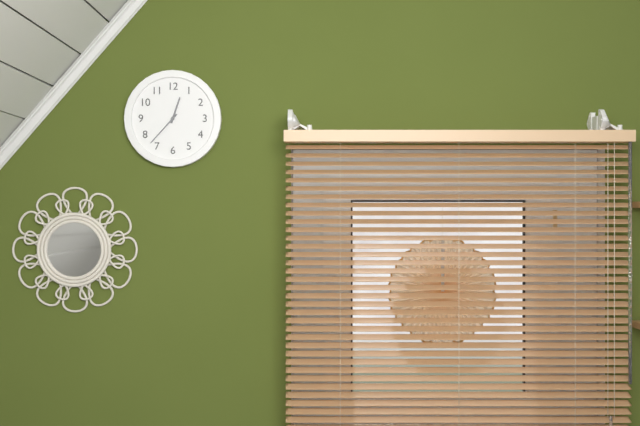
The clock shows 12:37
